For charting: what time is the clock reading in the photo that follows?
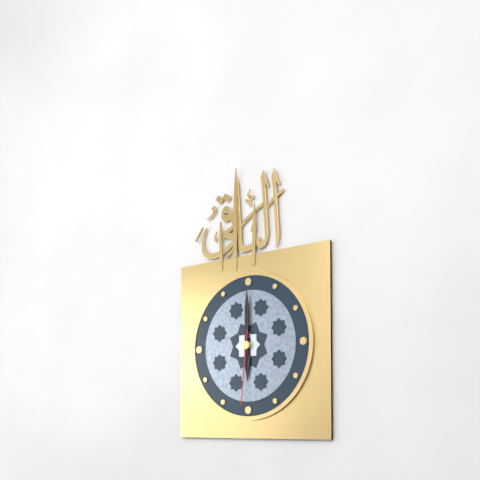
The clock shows 6:00:31
